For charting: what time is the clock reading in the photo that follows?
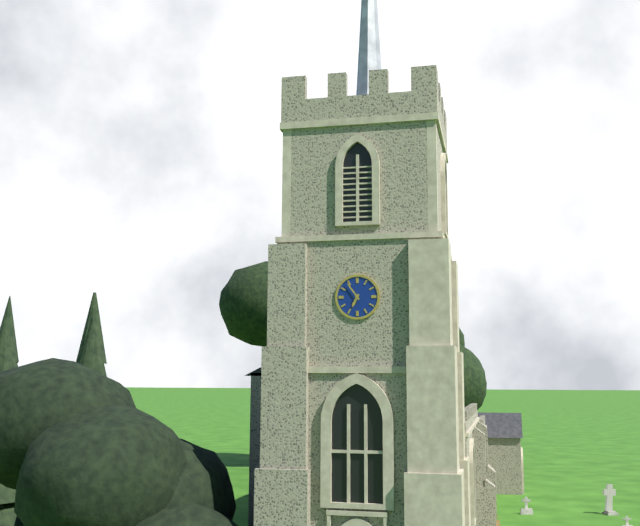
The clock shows 6:54
